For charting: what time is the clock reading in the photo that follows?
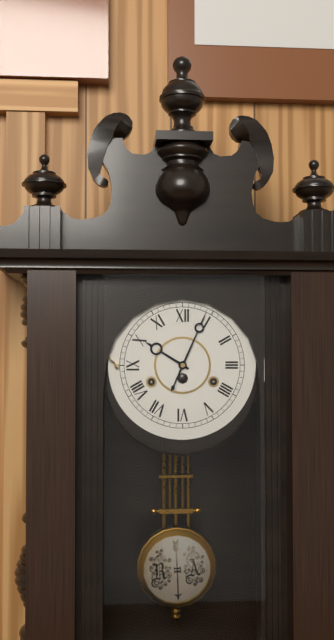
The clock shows 10:04
